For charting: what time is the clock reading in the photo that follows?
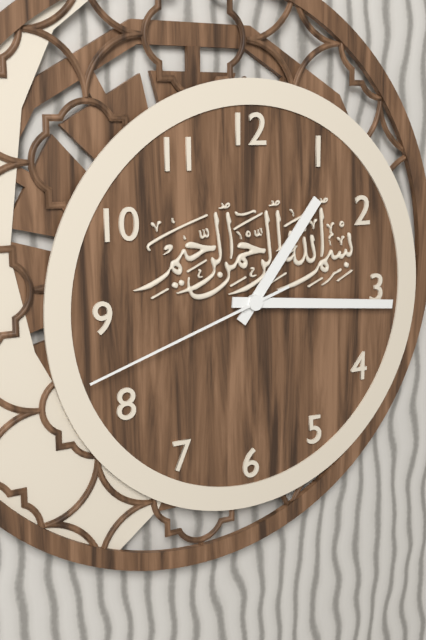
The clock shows 1:16:42
